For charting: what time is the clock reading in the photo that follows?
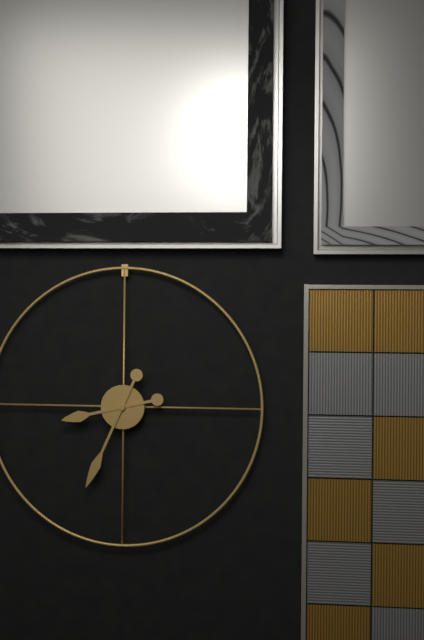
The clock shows 8:34
